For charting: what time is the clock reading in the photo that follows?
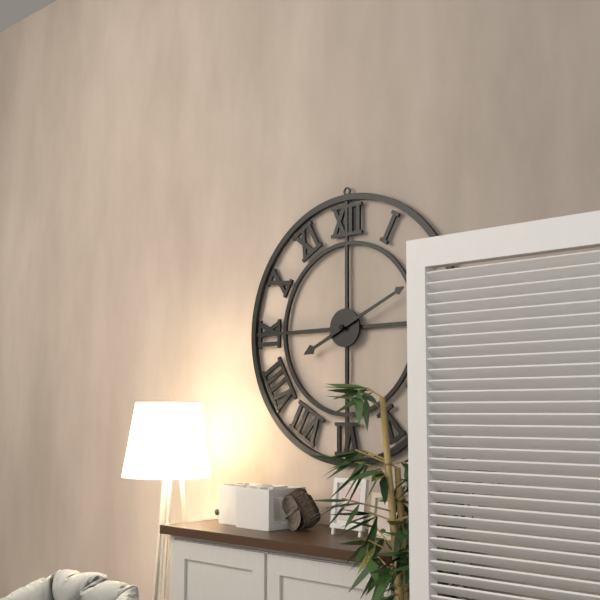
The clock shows 8:11
